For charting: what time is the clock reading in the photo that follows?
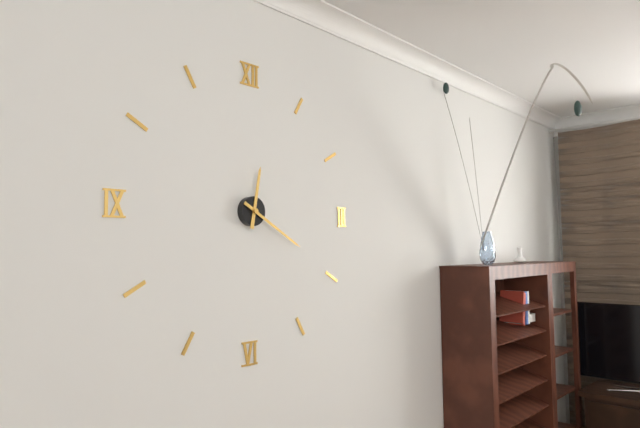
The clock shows 12:20
